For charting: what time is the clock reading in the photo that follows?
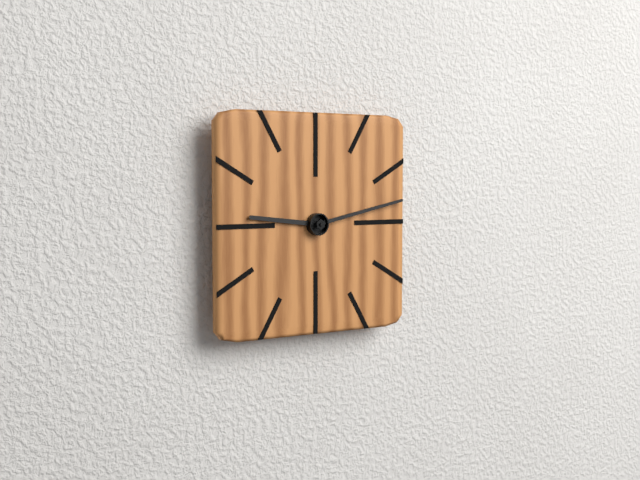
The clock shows 9:13
